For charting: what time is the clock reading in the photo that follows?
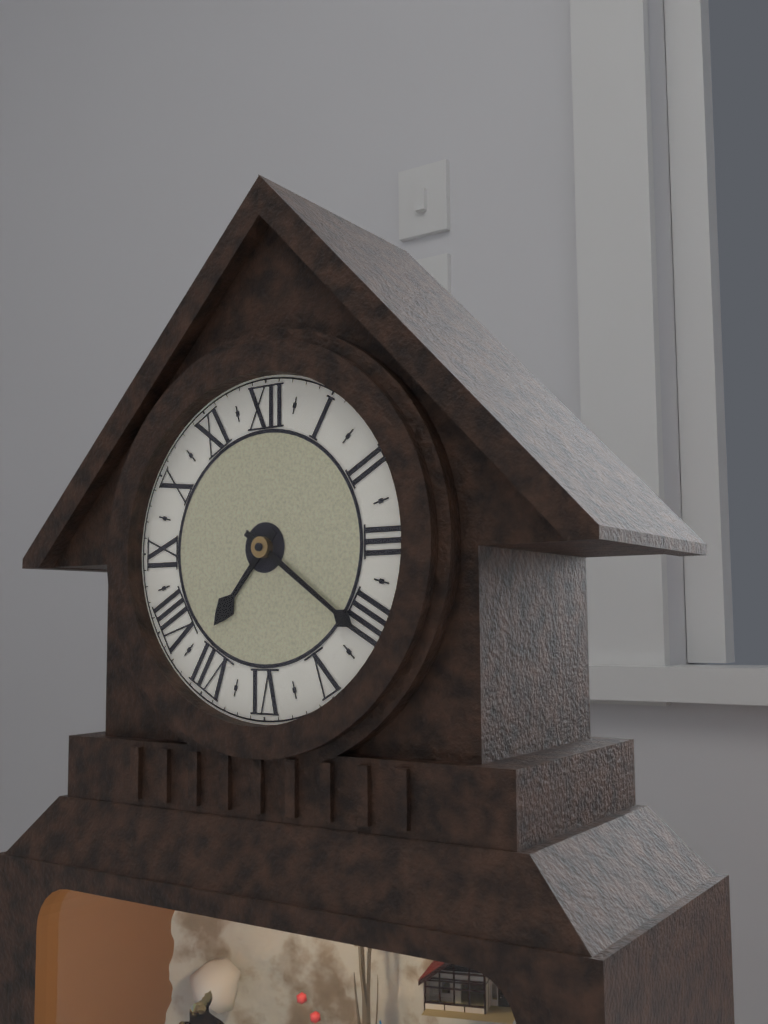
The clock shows 7:21
